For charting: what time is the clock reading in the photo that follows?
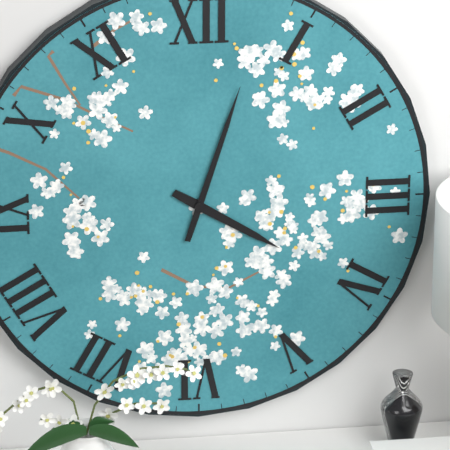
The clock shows 4:03
